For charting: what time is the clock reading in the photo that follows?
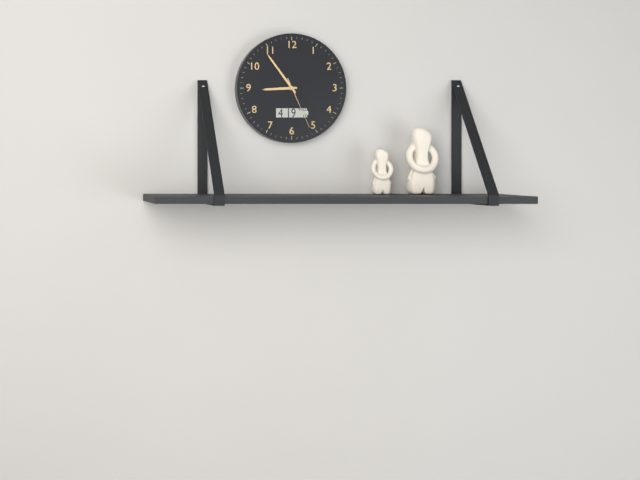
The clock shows 8:54:26
